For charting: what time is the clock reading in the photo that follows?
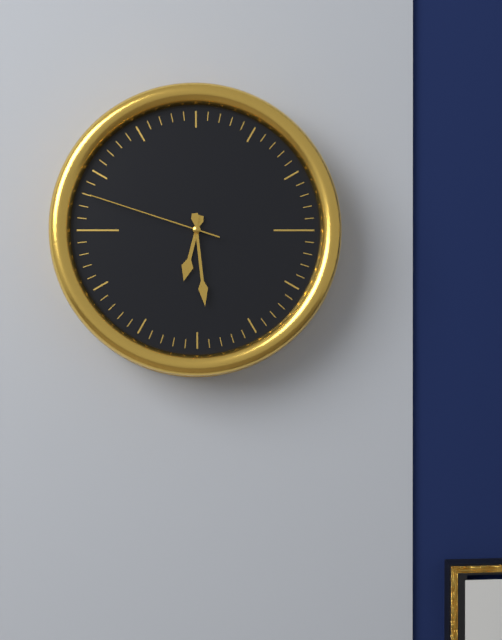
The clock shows 6:29:48
